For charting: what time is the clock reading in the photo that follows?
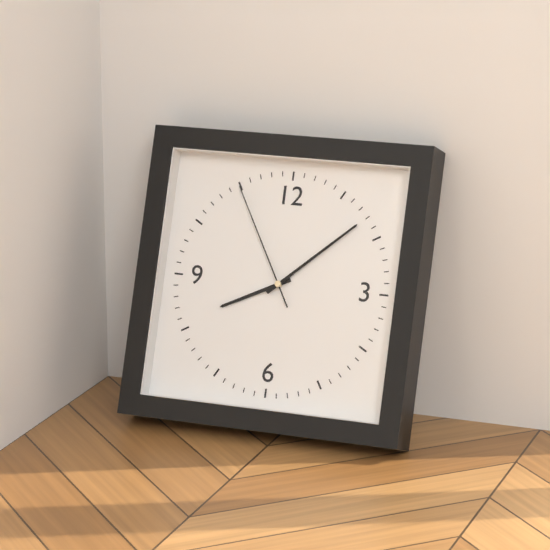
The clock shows 8:08:55
